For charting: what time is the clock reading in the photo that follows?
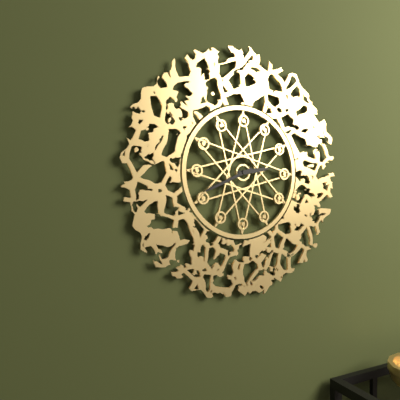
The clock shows 2:41
